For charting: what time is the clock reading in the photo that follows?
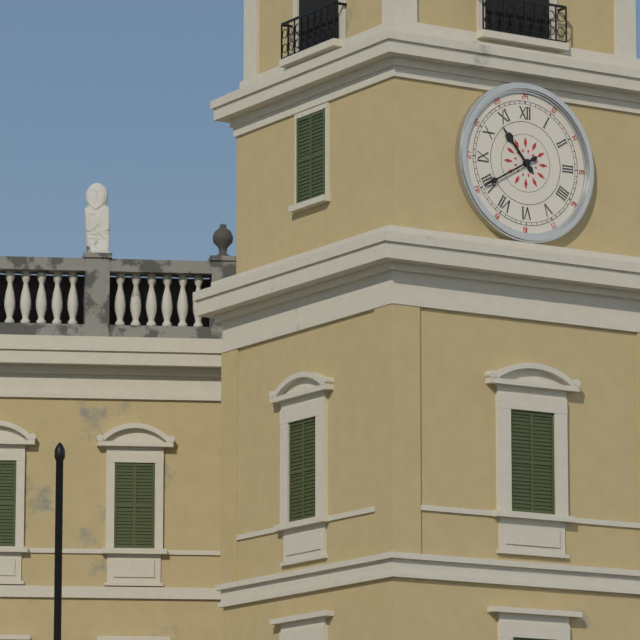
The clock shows 10:40
